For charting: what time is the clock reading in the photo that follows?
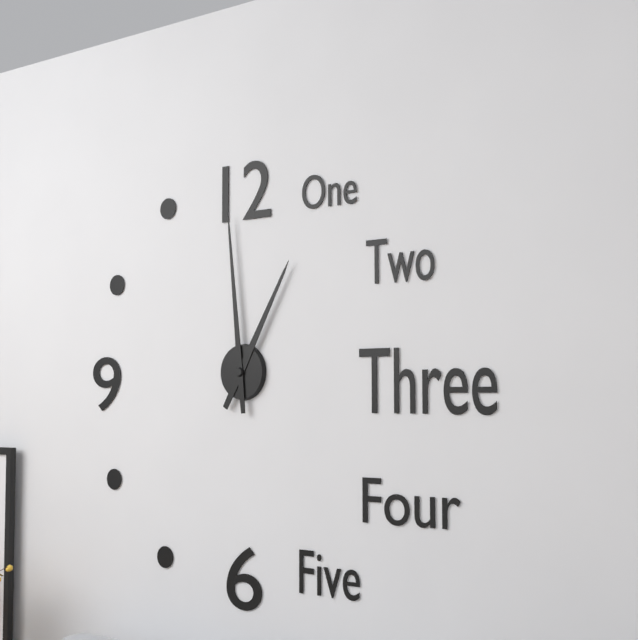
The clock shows 12:59
